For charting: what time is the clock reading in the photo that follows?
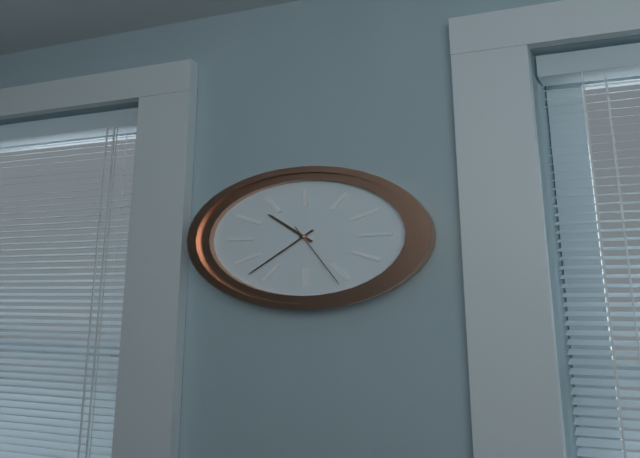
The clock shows 10:37:26
